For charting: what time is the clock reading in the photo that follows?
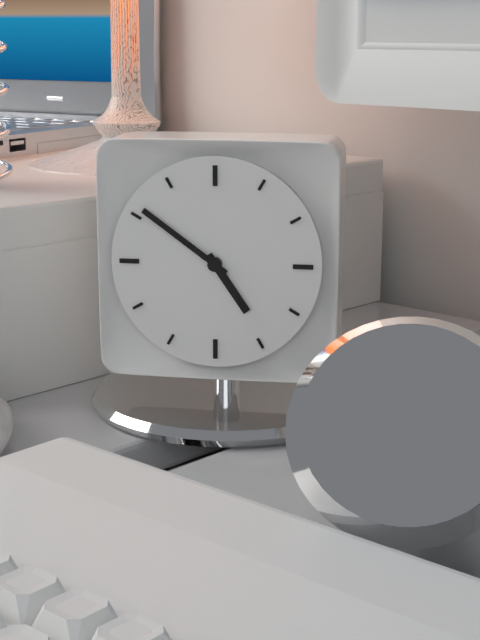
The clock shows 4:51
